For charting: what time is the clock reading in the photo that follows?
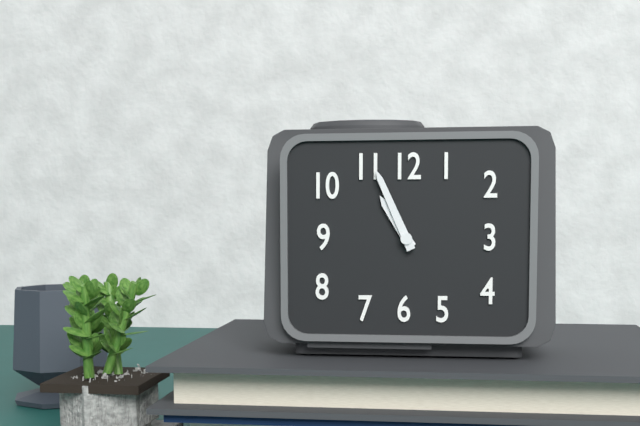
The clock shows 10:56
